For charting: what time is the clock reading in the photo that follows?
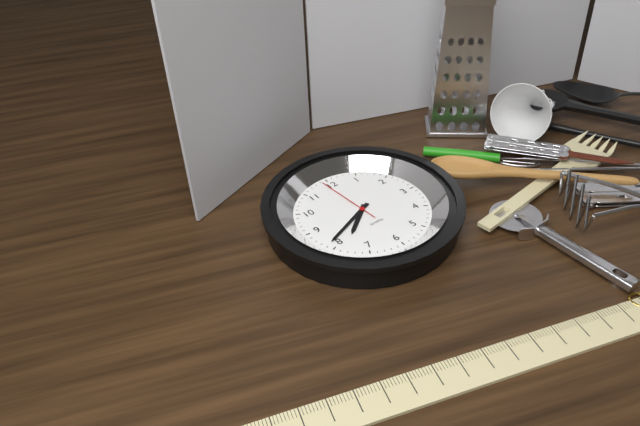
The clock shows 7:41:59
